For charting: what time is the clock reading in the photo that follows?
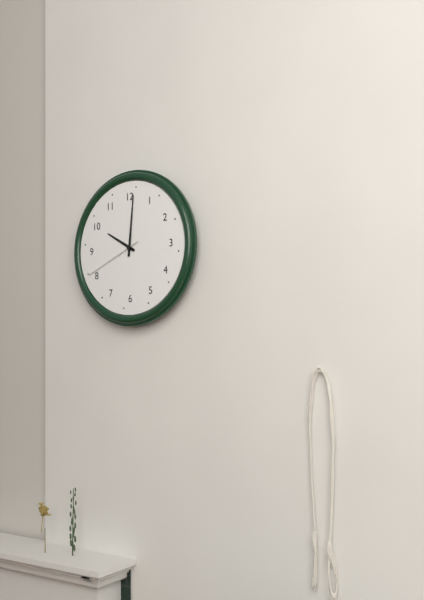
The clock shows 10:01:41
